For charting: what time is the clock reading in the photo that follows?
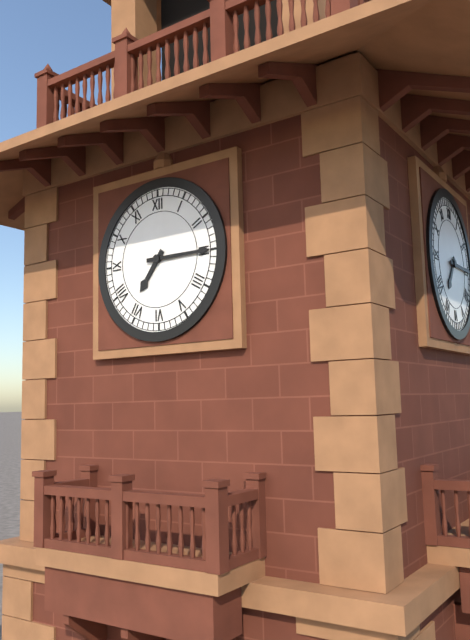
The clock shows 7:15
